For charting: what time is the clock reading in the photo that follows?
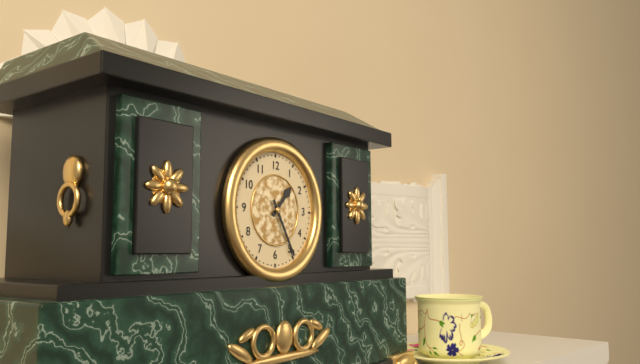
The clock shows 1:25
